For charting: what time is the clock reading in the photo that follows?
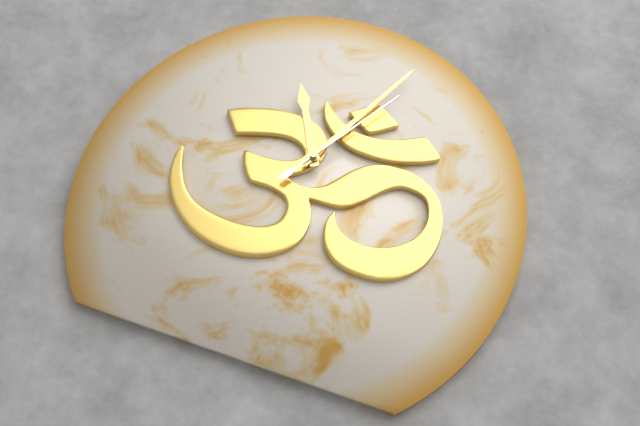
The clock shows 11:04:05
